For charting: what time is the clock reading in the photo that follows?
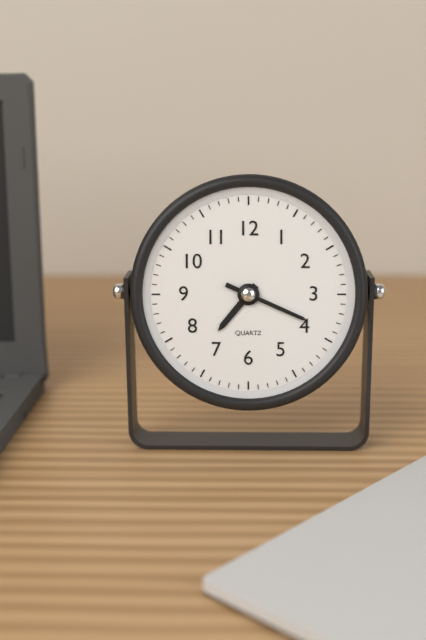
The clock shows 7:19
